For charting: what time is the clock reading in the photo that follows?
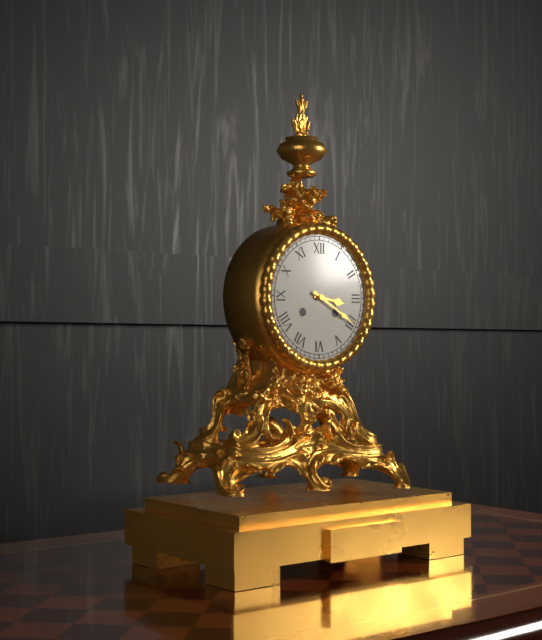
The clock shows 3:20
